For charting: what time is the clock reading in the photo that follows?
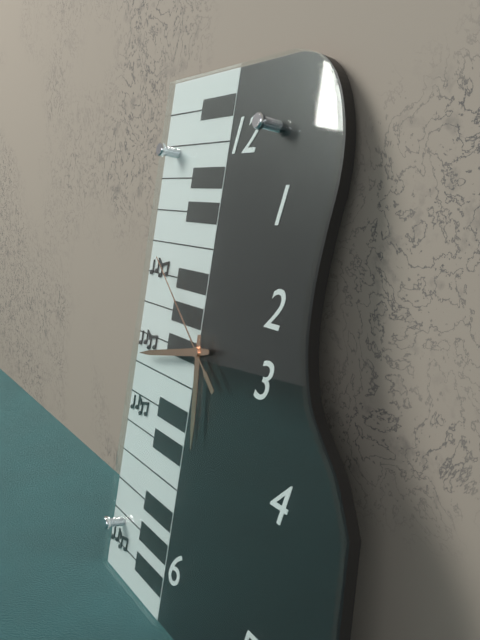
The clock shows 5:43:51
